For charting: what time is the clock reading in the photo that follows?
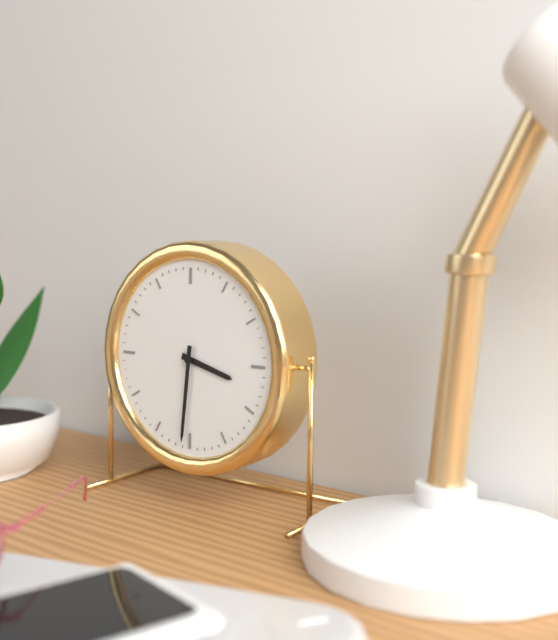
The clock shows 3:31
